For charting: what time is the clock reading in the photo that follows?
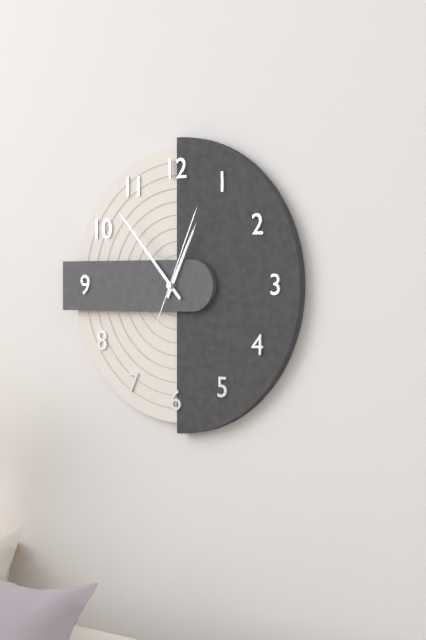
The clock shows 12:53:04
